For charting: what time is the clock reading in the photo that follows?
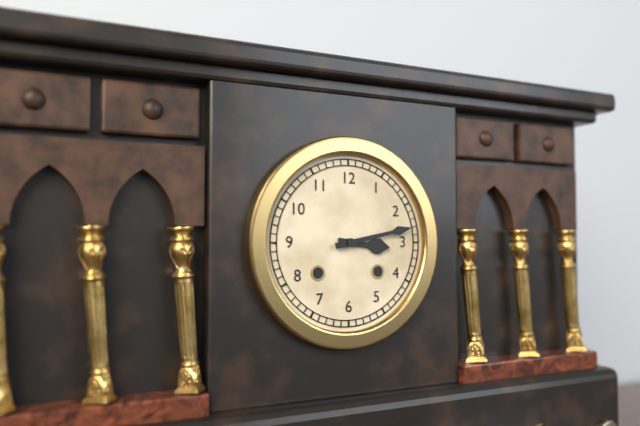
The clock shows 3:13
